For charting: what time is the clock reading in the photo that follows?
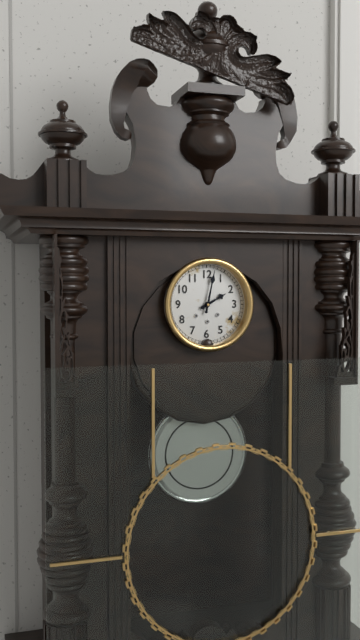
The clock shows 2:02
